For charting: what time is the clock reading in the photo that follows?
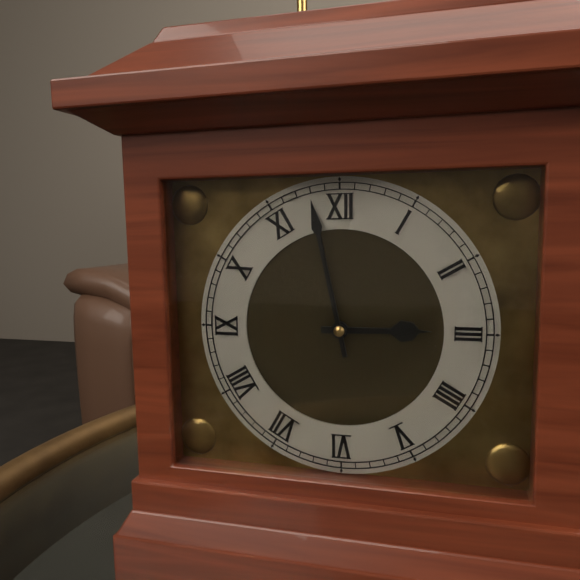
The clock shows 2:58
